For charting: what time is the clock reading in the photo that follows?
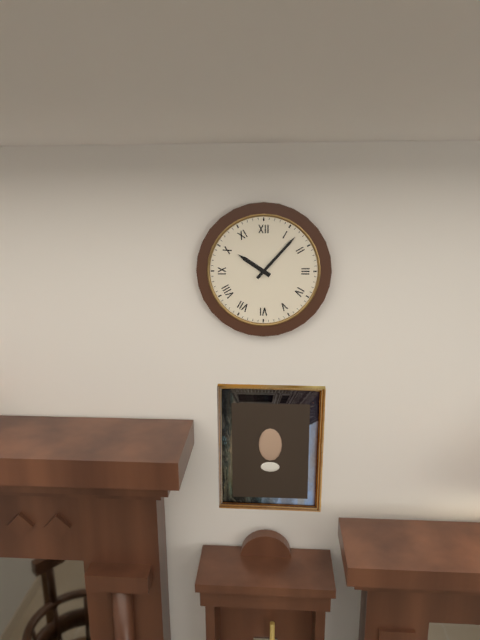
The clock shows 10:07
